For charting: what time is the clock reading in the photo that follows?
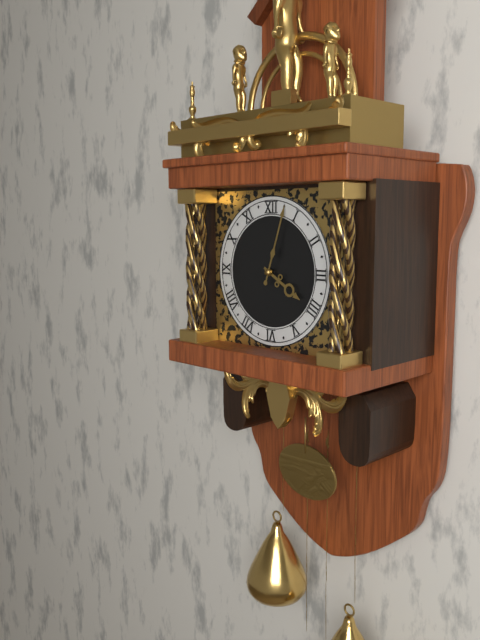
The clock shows 4:03
